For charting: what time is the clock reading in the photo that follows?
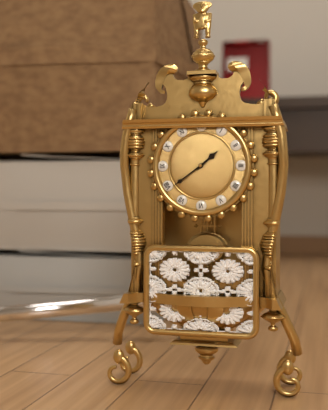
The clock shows 1:39
